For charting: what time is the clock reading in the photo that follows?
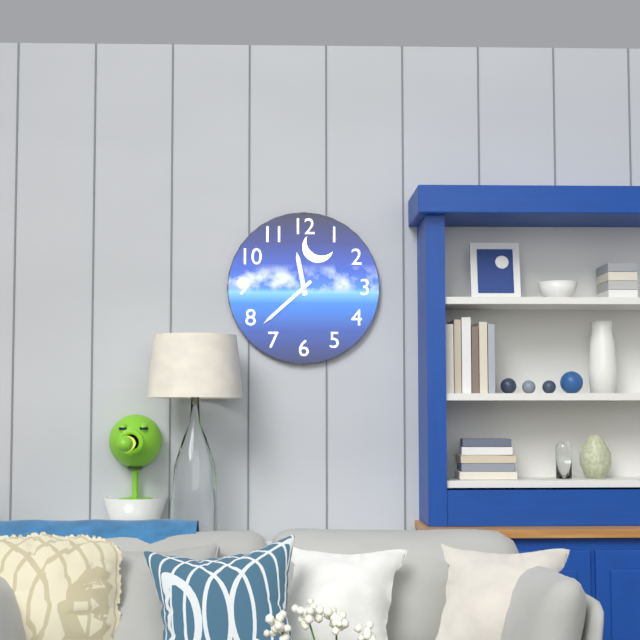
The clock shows 11:38
